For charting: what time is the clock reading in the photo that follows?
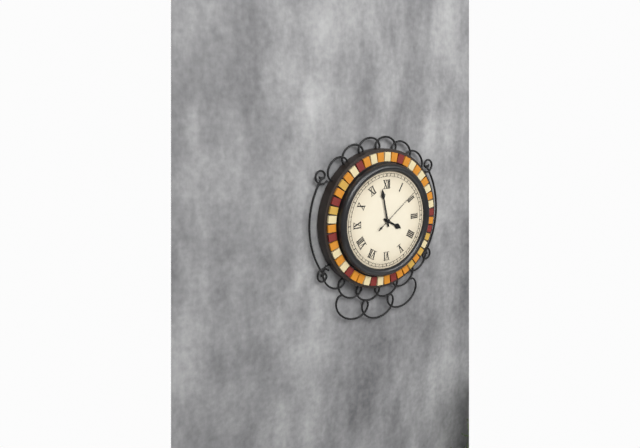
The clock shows 3:58:09
